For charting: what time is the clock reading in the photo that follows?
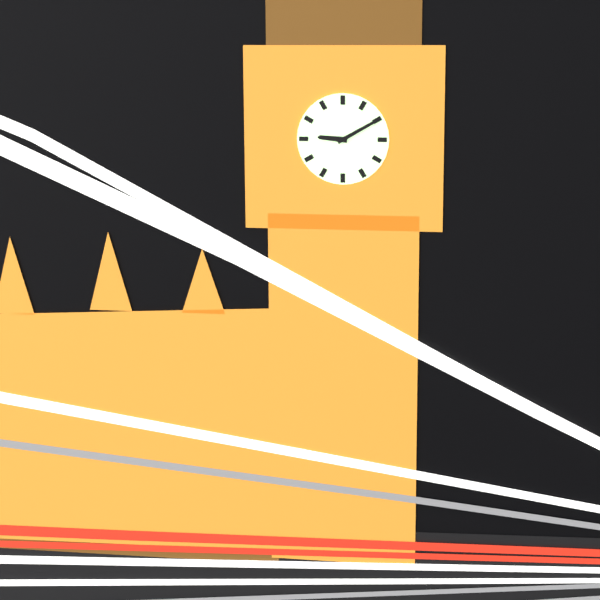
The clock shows 9:10
